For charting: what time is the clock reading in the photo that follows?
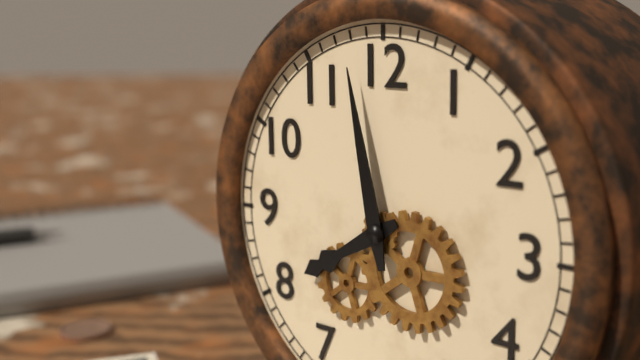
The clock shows 7:58
